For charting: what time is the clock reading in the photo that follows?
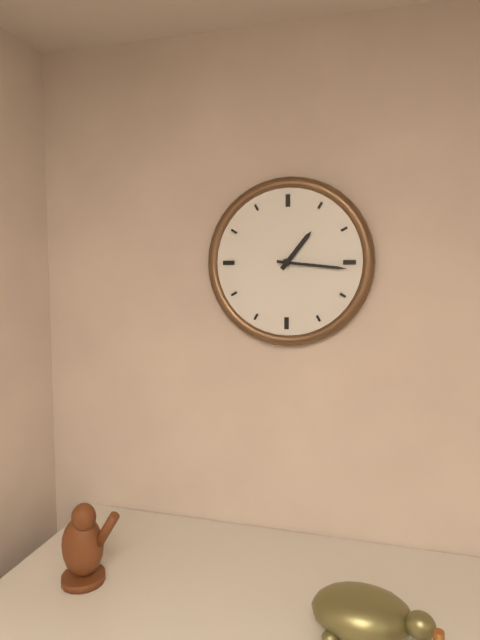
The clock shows 1:16
